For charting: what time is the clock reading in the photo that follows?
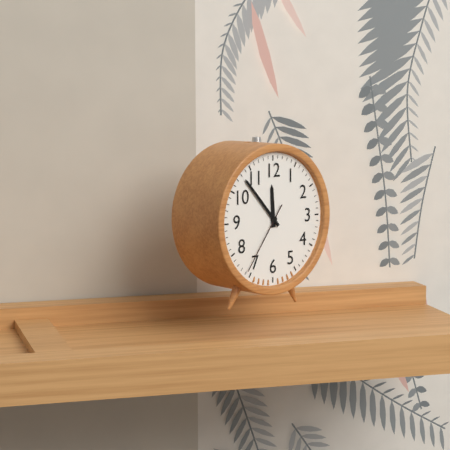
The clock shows 11:53:36
